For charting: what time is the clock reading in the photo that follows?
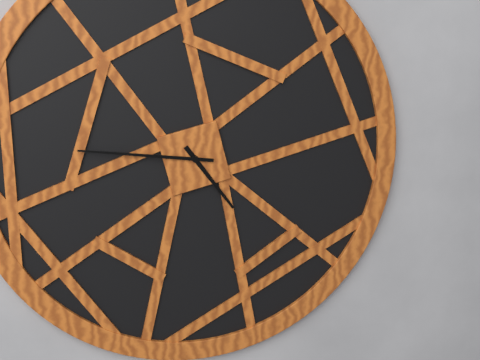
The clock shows 4:46
